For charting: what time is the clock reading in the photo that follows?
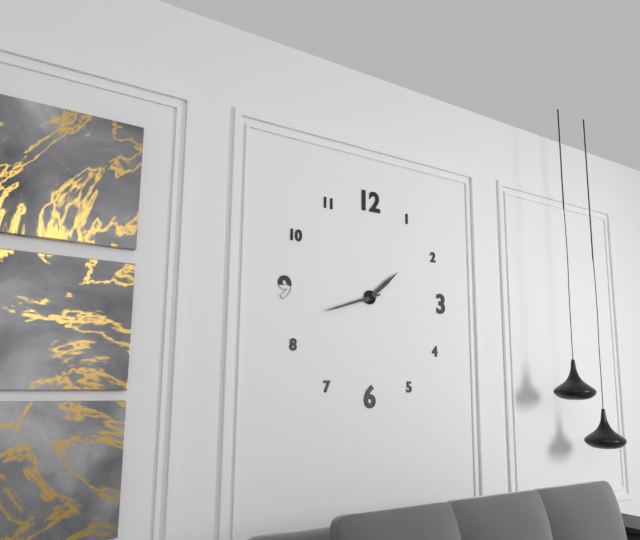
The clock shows 1:42
